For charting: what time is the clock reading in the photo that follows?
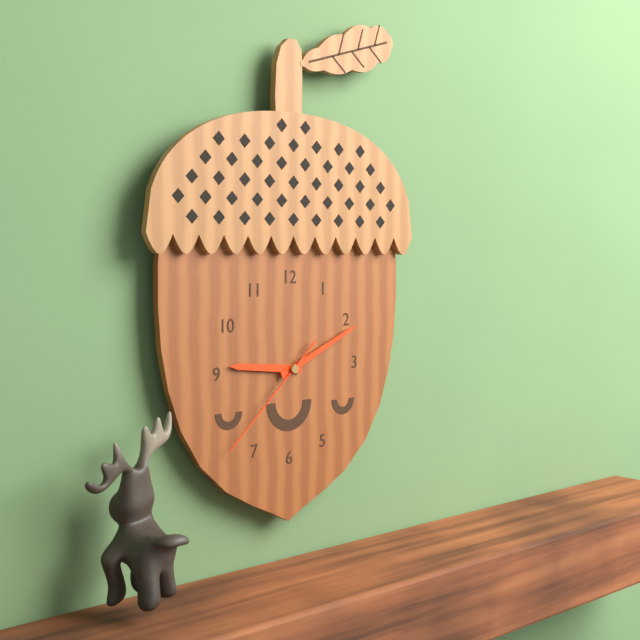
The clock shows 9:11:38
